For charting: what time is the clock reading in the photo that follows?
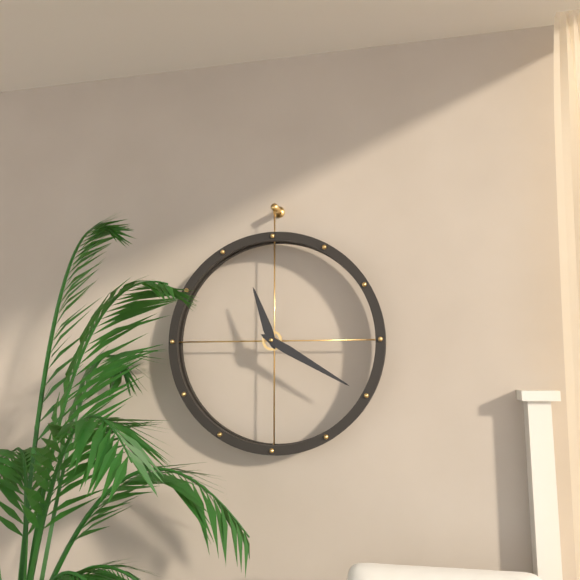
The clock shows 11:20
